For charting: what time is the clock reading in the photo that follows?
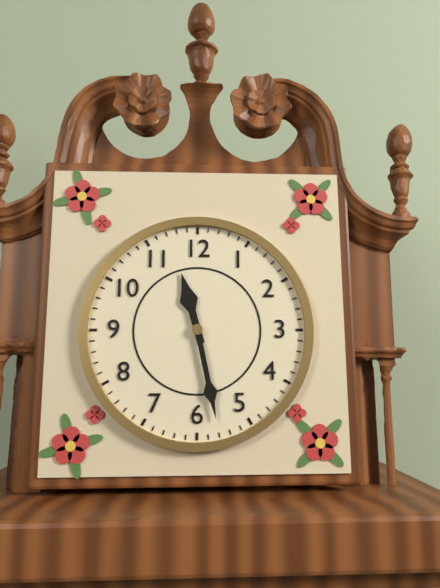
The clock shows 11:28
